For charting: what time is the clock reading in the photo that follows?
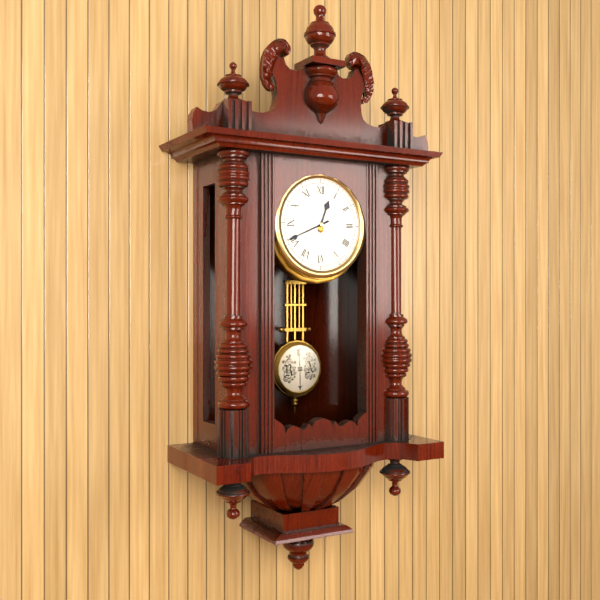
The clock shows 12:41
